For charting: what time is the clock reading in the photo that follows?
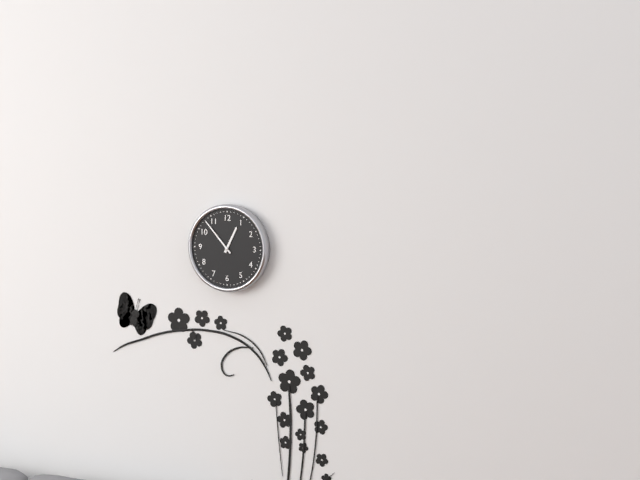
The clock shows 12:53
